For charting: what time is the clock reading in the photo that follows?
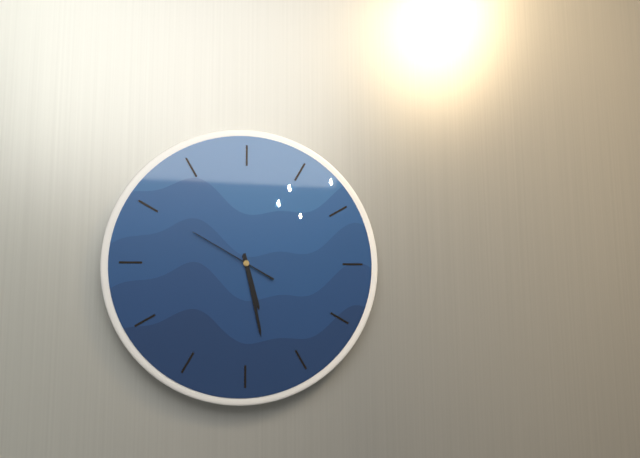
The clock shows 5:28:50
